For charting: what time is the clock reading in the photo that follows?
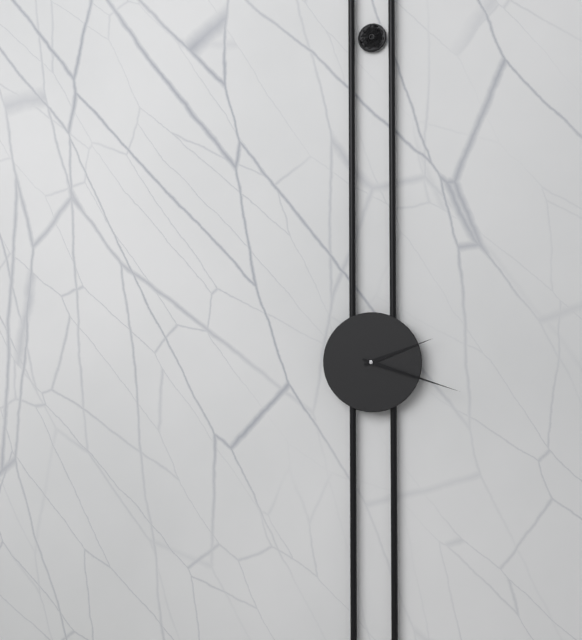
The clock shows 2:18
